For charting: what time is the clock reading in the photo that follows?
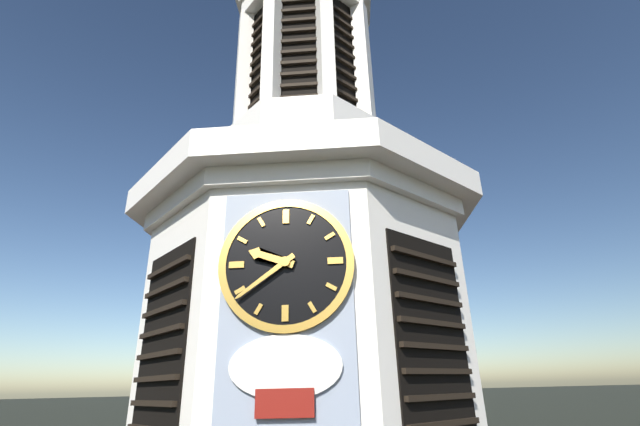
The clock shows 9:39
